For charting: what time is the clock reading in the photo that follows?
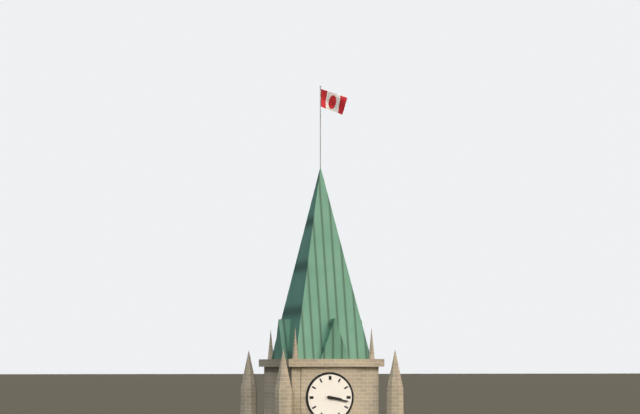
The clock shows 3:17
